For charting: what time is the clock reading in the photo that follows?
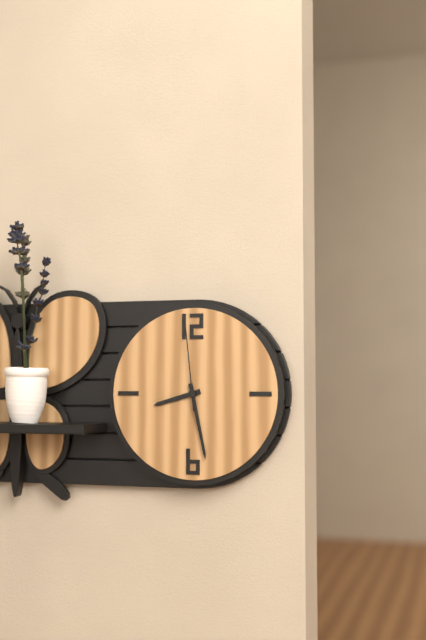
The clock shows 8:28:59
